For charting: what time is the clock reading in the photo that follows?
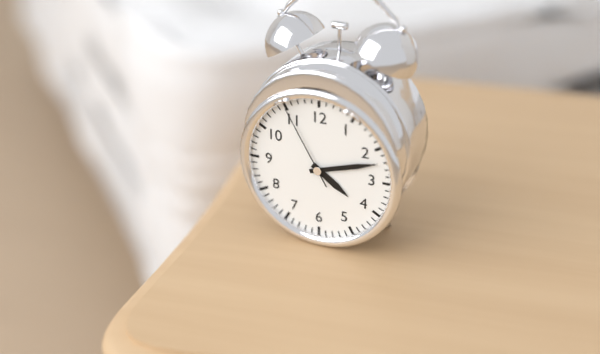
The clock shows 4:12:55
